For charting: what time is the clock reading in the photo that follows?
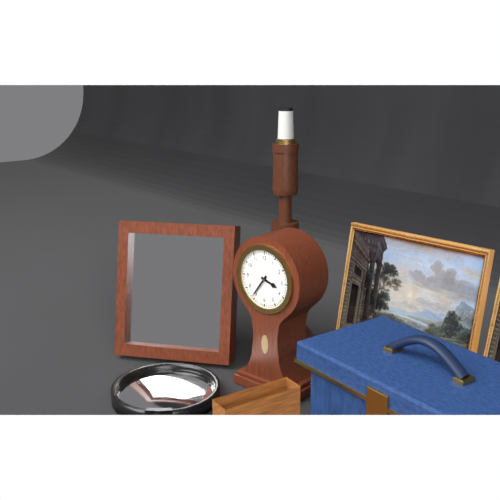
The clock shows 3:36
